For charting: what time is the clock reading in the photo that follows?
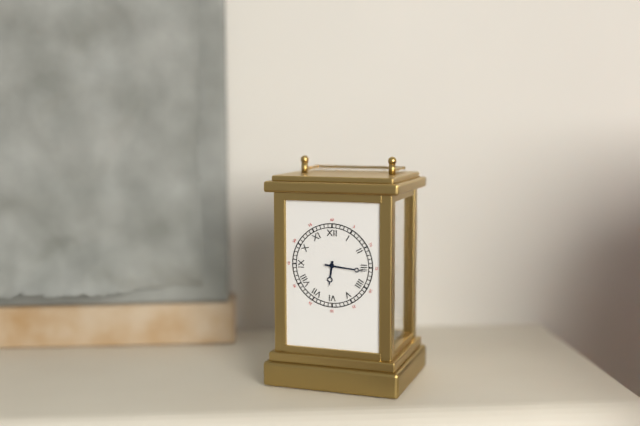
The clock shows 6:16
